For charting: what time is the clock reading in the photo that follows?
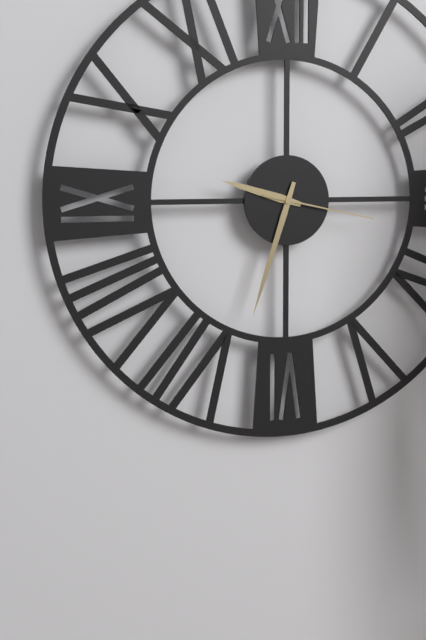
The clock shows 9:33:17
